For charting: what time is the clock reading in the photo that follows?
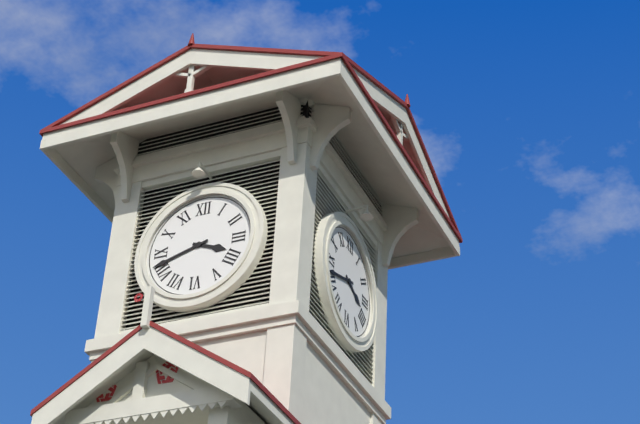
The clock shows 3:42
